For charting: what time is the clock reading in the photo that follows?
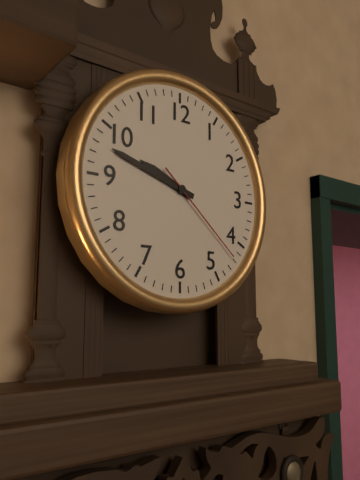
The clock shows 9:48:22
